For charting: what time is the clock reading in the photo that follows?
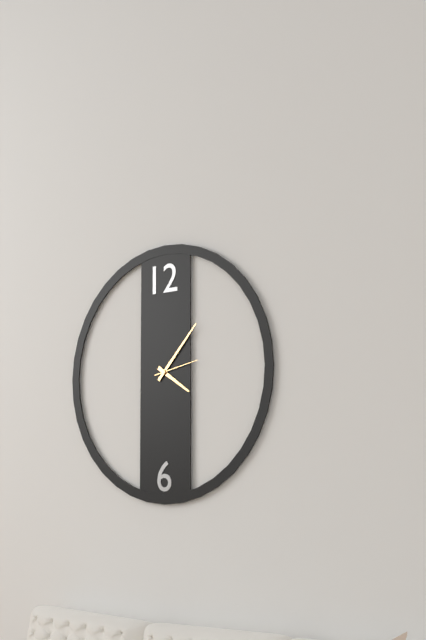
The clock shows 4:07
